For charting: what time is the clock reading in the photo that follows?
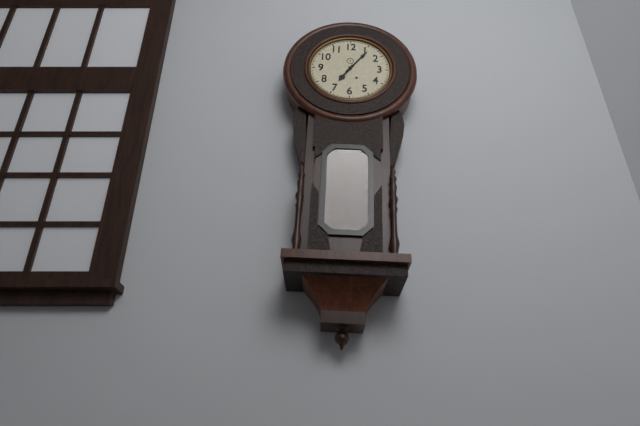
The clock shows 7:06
